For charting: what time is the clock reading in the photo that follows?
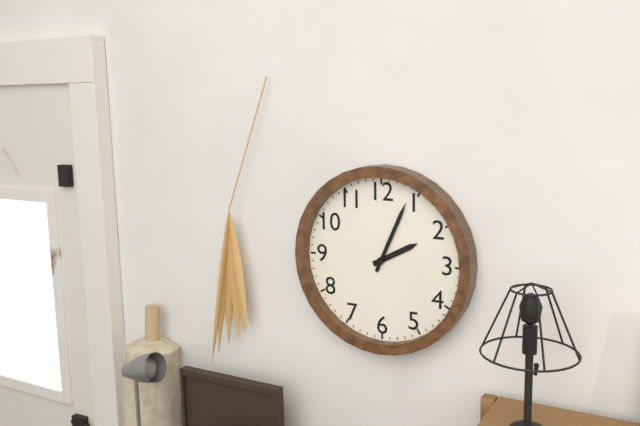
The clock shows 2:04
